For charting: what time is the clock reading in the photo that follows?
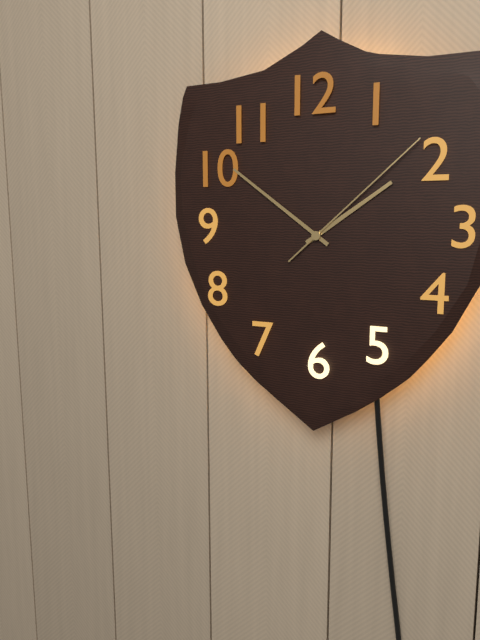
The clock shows 1:51:08
